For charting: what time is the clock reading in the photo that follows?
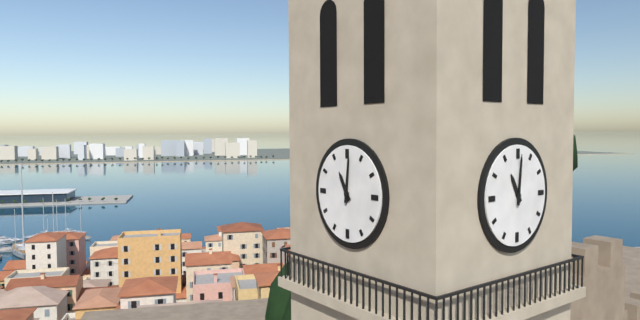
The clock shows 11:01
